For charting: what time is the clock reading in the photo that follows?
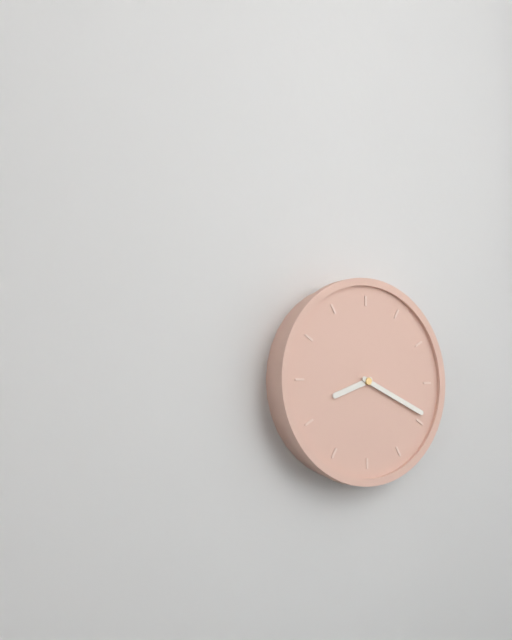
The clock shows 8:19
